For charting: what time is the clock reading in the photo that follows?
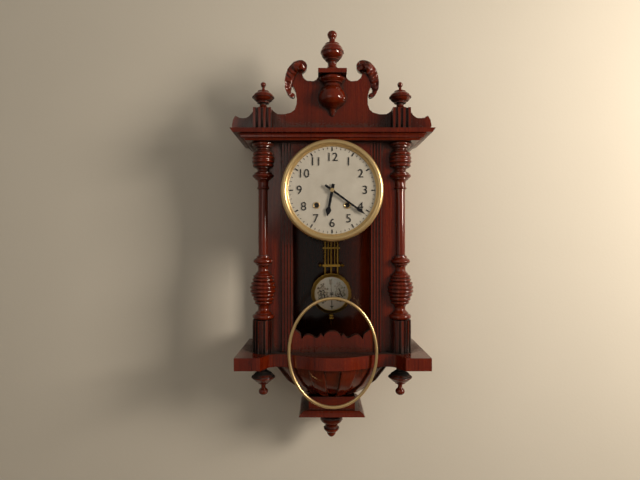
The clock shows 6:21
